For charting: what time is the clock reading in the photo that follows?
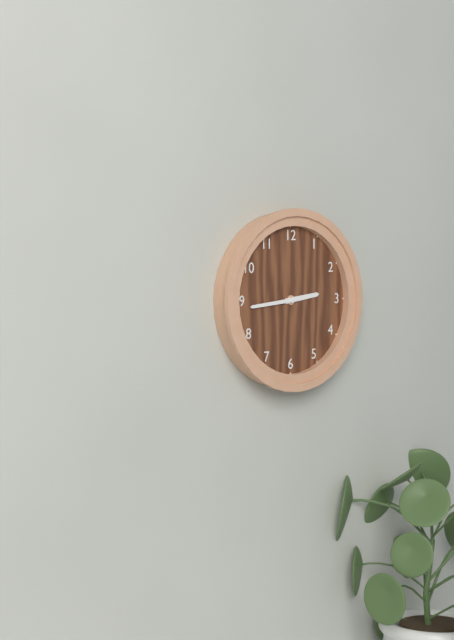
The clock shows 2:44
